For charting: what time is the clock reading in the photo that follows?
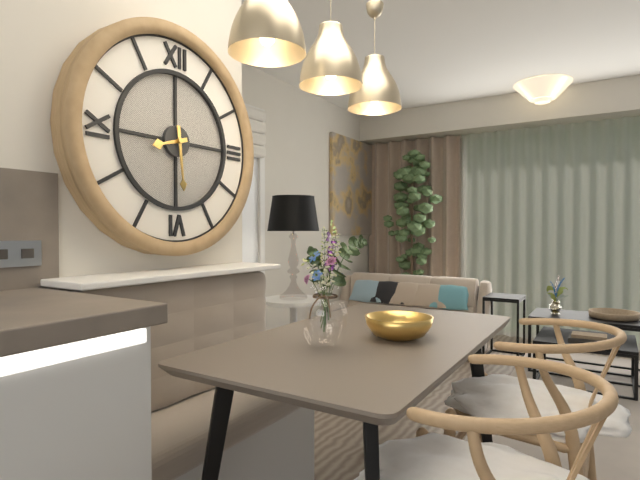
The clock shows 8:29
